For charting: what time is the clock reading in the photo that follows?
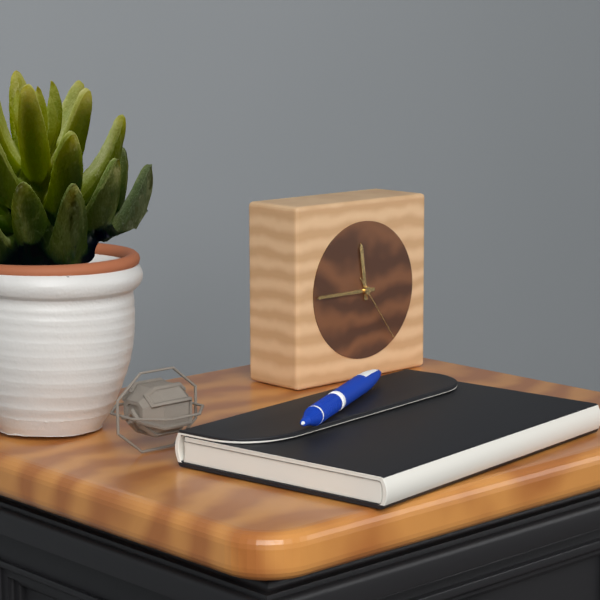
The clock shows 11:45:24
